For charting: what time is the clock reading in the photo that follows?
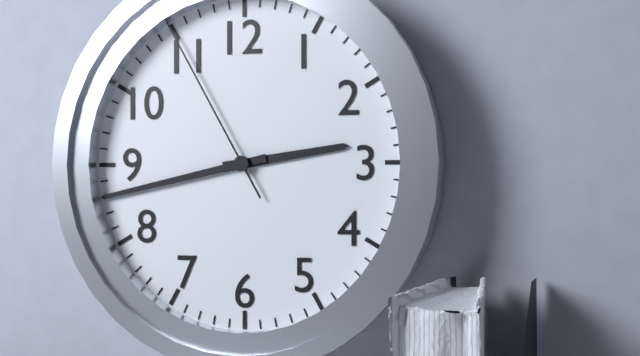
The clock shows 2:43:55
